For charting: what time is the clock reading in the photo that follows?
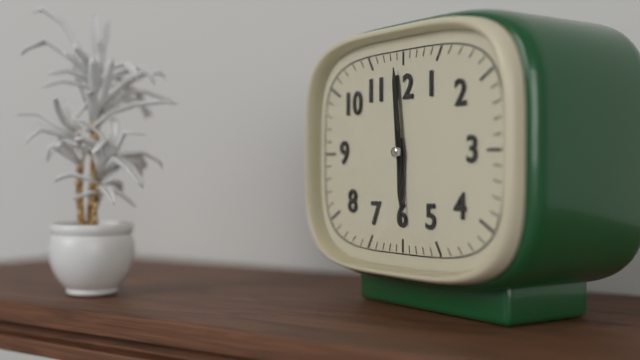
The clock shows 5:59:29
